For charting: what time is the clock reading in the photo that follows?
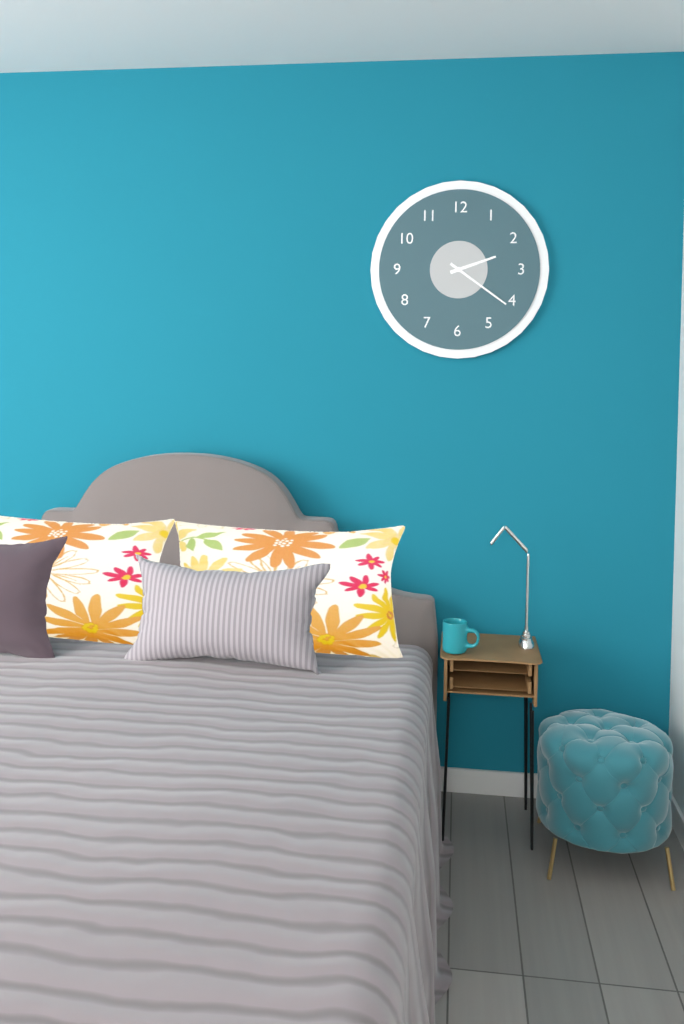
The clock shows 2:21
